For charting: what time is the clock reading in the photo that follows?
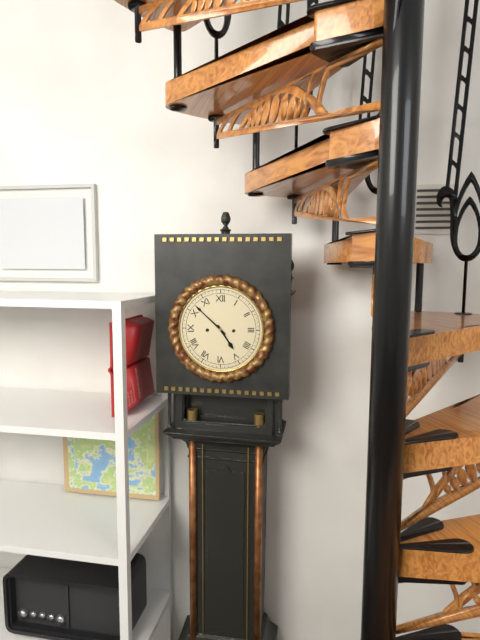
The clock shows 4:52
